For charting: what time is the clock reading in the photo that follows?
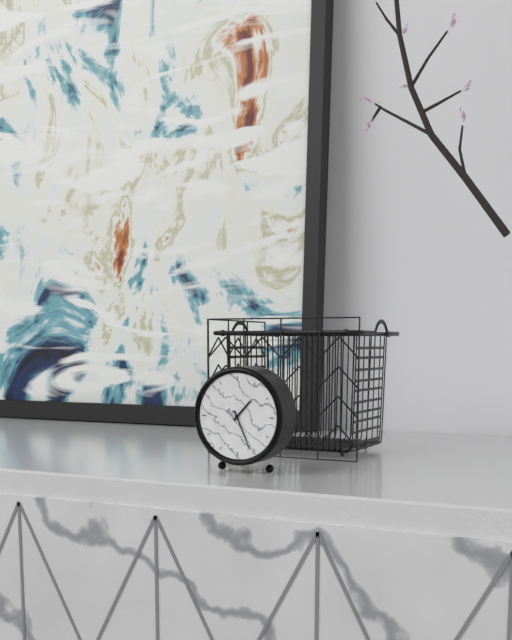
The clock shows 1:26
